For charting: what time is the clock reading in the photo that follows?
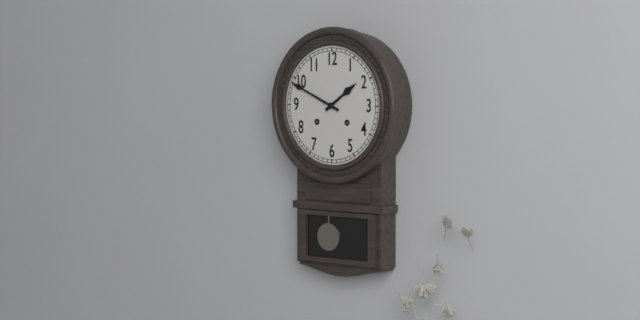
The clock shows 1:49
